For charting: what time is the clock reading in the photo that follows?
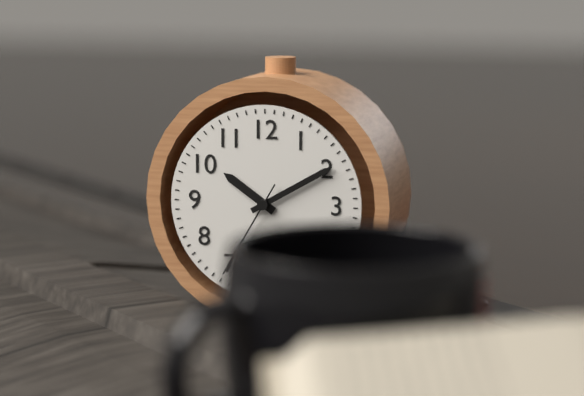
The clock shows 10:10
